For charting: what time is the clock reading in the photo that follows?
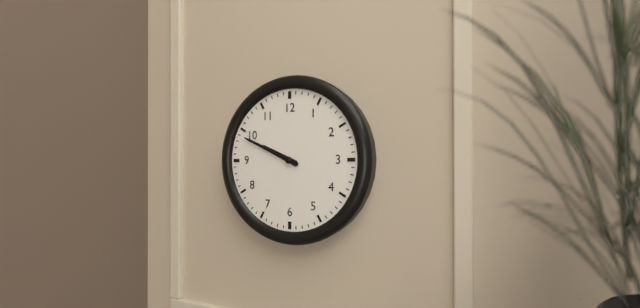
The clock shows 9:49
